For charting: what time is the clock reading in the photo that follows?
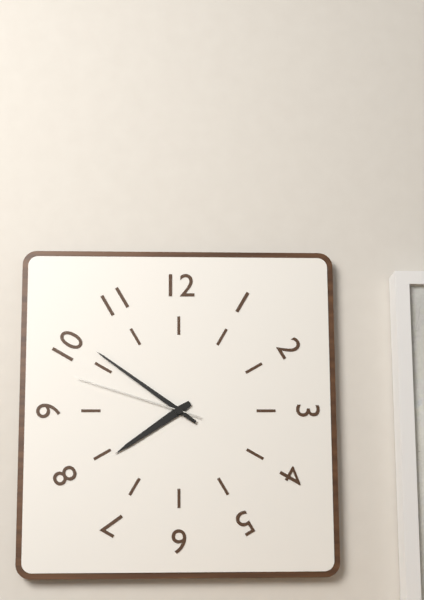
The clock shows 7:51:48
